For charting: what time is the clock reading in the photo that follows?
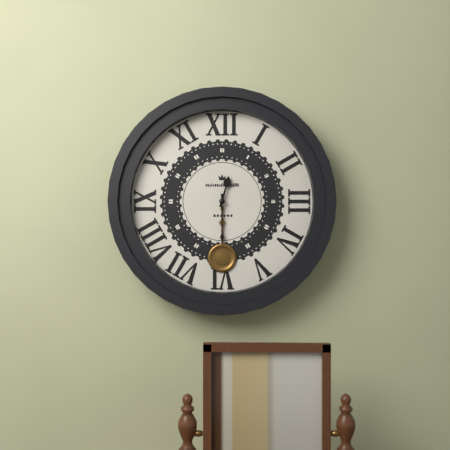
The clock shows 12:30
